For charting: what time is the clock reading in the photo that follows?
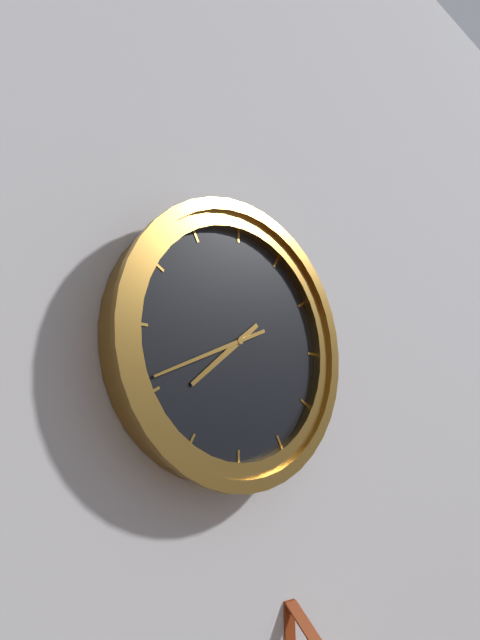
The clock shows 7:41
